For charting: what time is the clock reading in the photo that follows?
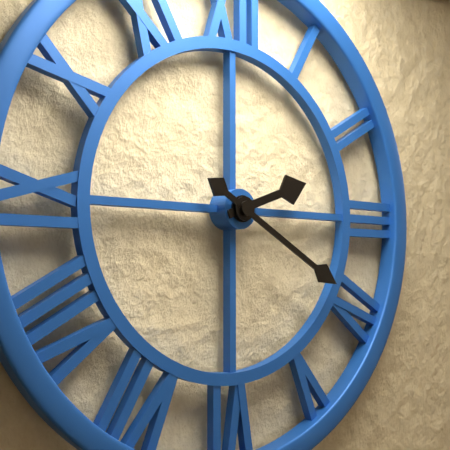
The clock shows 2:20
